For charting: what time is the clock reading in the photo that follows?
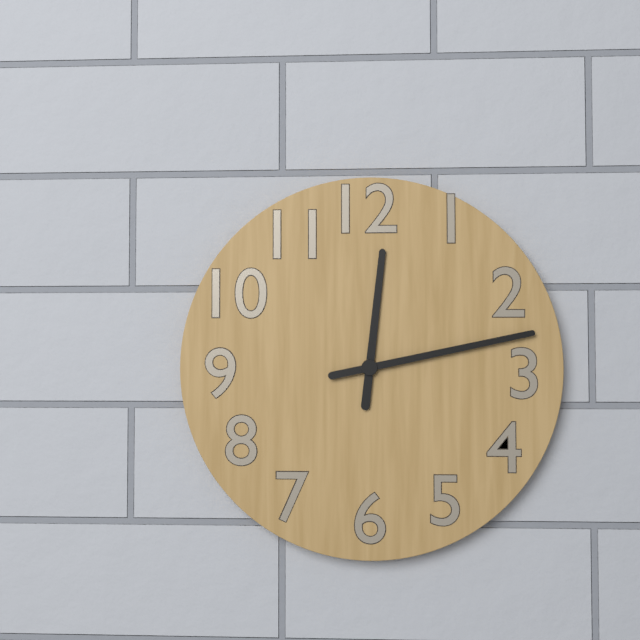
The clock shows 12:13
